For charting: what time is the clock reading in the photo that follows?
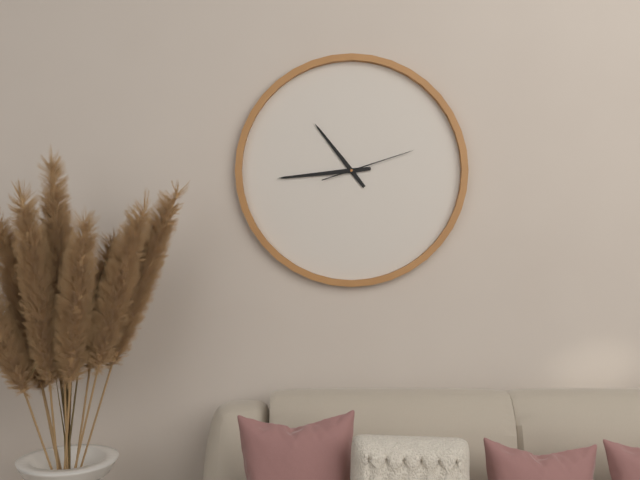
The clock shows 10:44:12
